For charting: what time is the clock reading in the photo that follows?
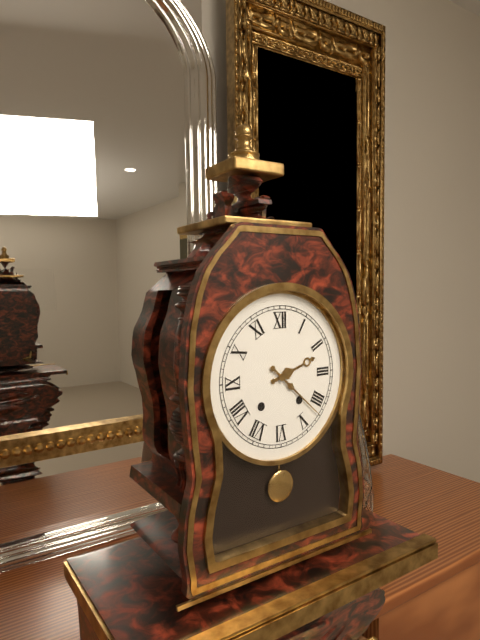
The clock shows 2:22
